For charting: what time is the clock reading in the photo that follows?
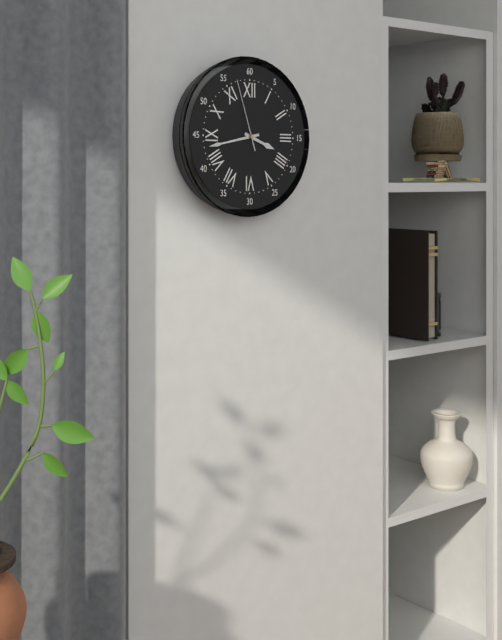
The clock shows 3:43:57
